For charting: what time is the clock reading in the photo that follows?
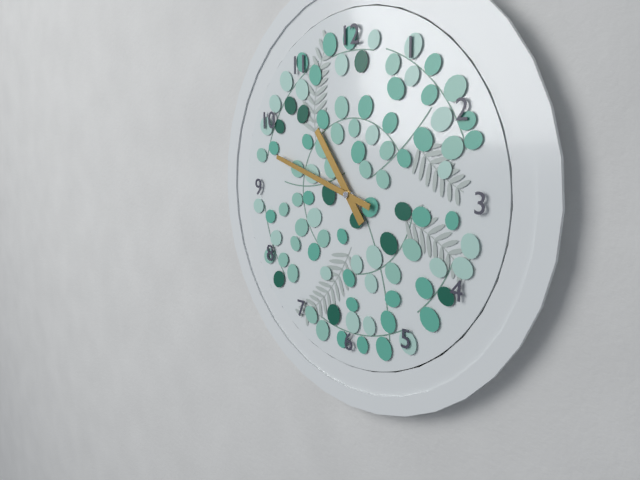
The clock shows 10:48
